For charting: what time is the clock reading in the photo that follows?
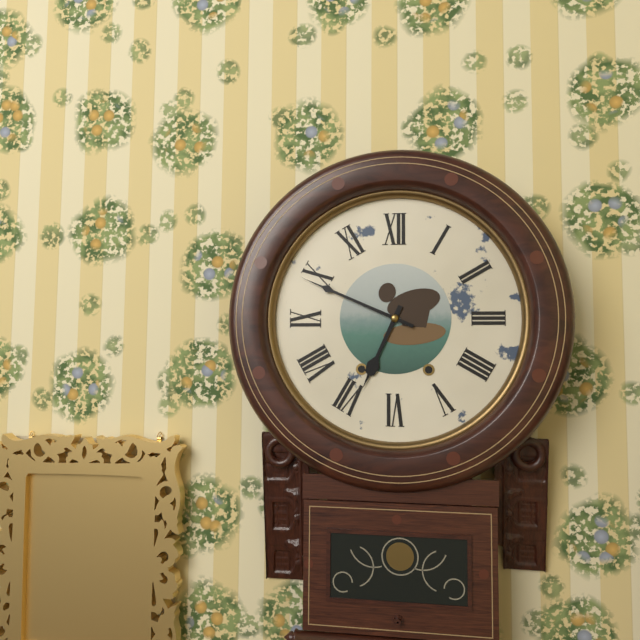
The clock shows 6:49
